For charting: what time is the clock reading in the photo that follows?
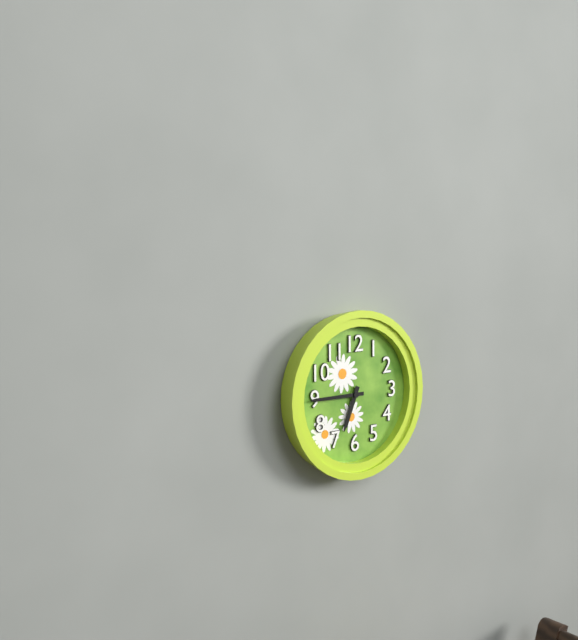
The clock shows 6:45
